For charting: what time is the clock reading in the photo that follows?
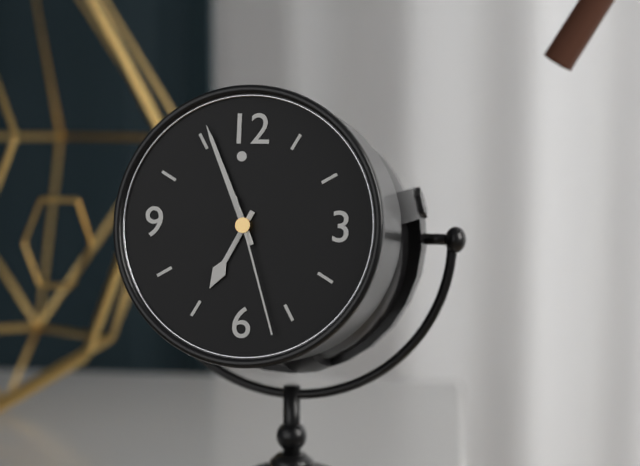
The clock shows 6:56:27
